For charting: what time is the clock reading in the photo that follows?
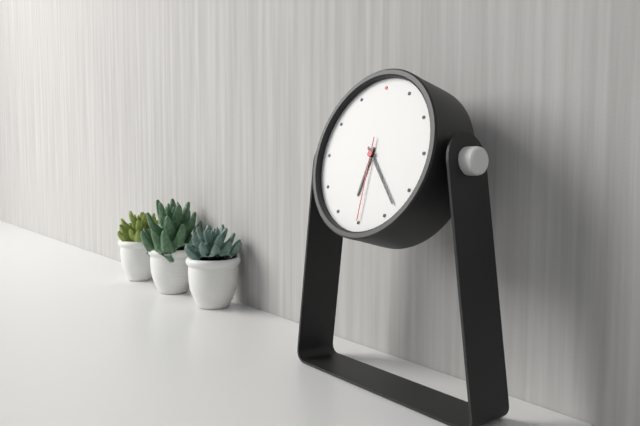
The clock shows 6:23:30
